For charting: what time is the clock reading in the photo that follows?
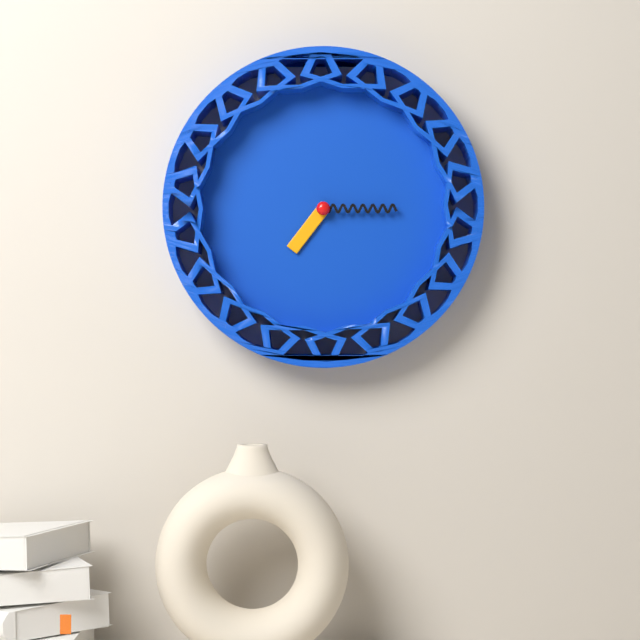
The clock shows 7:15
